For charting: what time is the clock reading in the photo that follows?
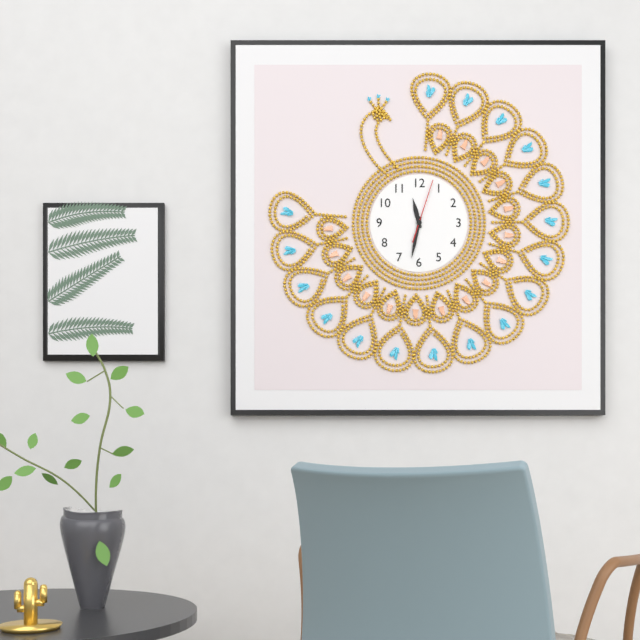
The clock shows 11:32:03
